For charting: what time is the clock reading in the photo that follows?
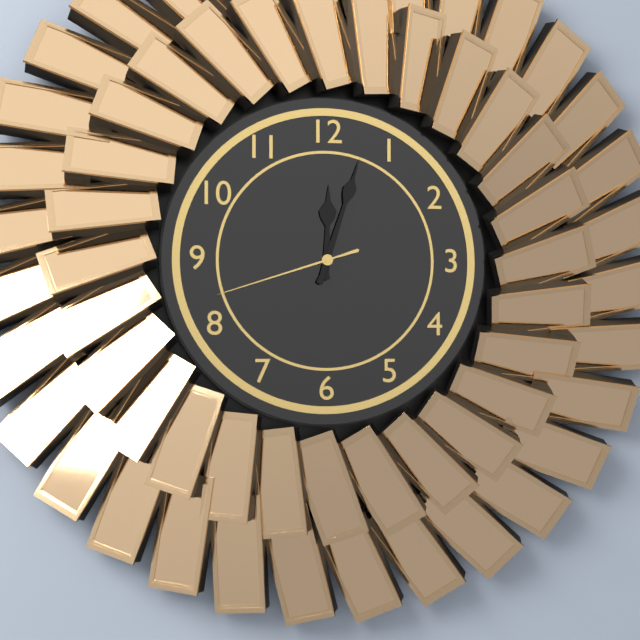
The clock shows 12:03:42
